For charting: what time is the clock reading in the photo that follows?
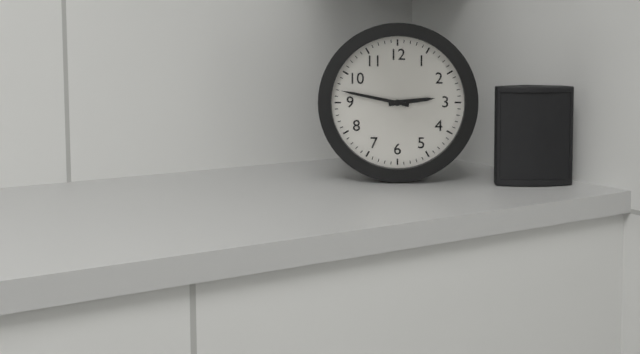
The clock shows 2:47
